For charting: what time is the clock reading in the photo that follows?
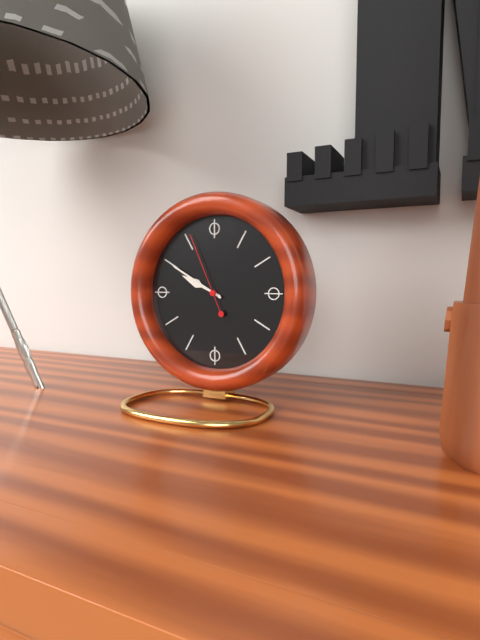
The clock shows 9:50:56
